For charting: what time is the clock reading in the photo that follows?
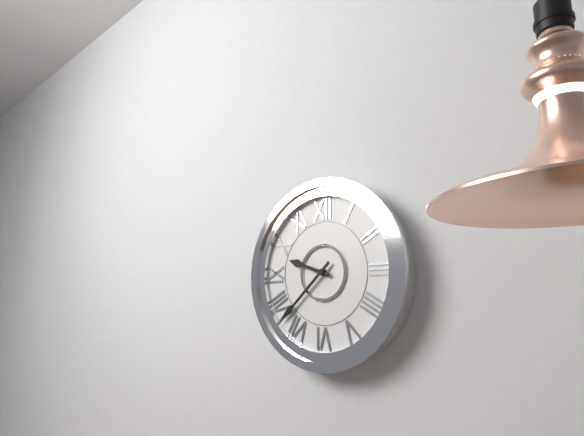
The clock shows 9:38
